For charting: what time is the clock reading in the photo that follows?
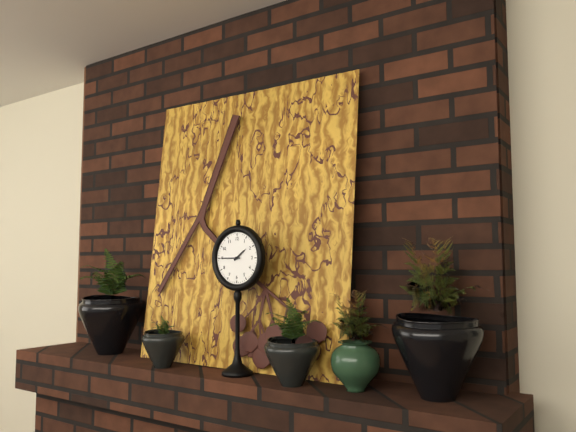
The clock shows 1:45
